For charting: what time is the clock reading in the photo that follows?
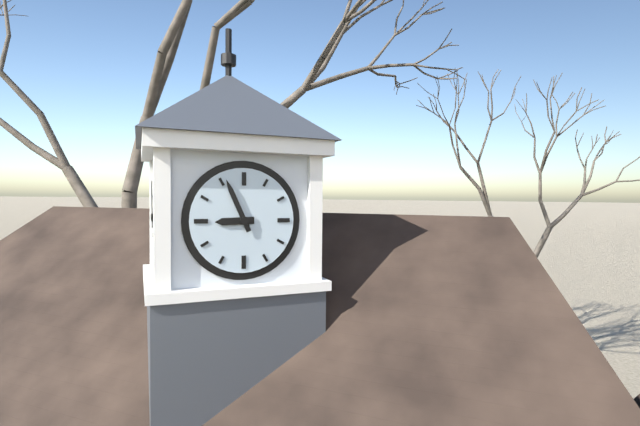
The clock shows 8:56
